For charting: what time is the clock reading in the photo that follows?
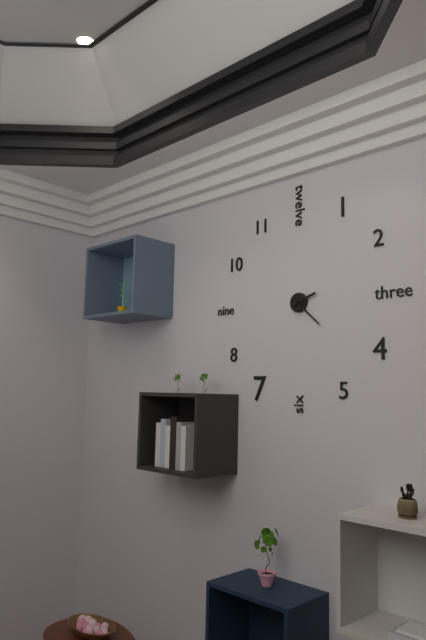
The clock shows 2:22
